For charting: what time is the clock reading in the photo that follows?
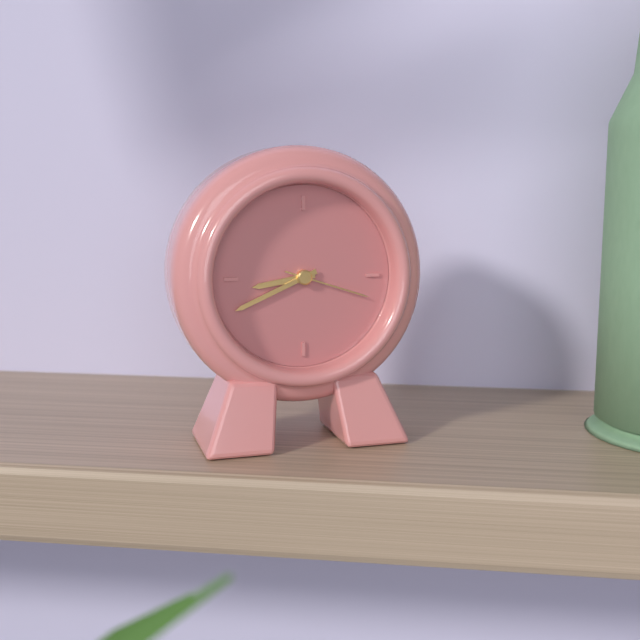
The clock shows 8:41:18
